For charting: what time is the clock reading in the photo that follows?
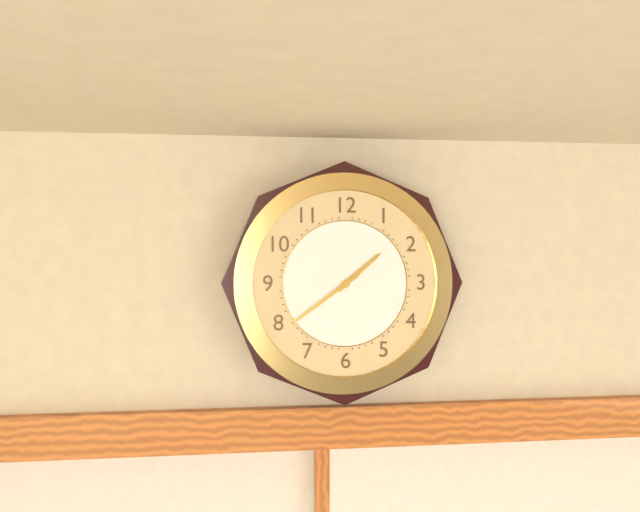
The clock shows 1:39
